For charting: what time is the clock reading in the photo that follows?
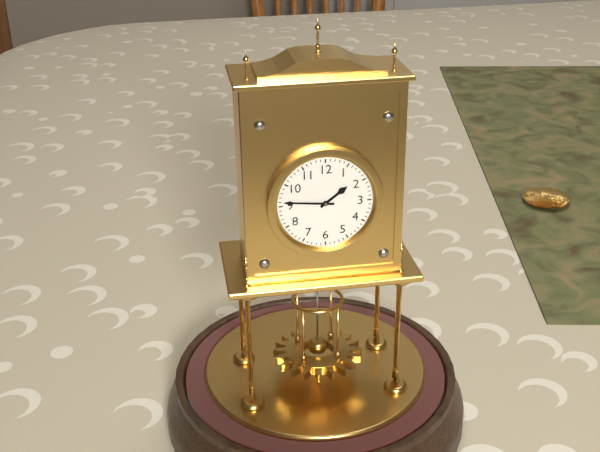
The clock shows 1:46
